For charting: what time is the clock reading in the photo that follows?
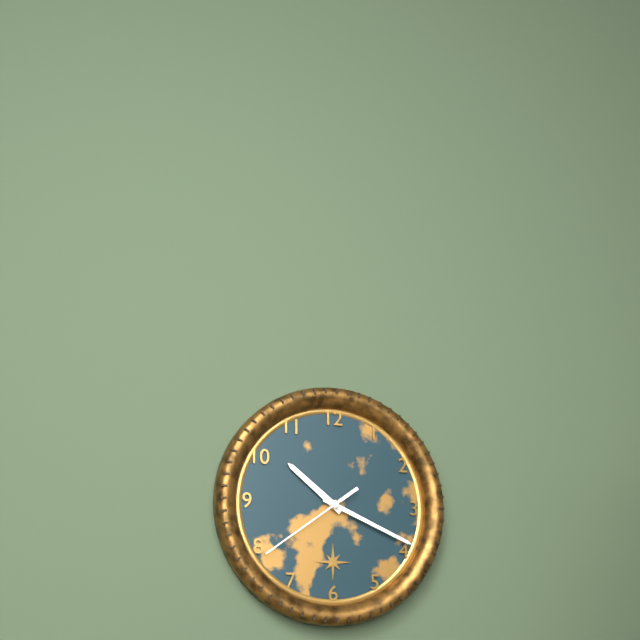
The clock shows 10:19:39
